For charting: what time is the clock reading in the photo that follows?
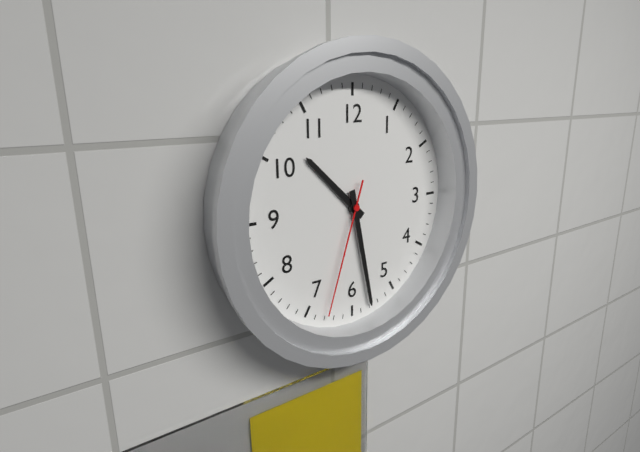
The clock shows 10:28:33
